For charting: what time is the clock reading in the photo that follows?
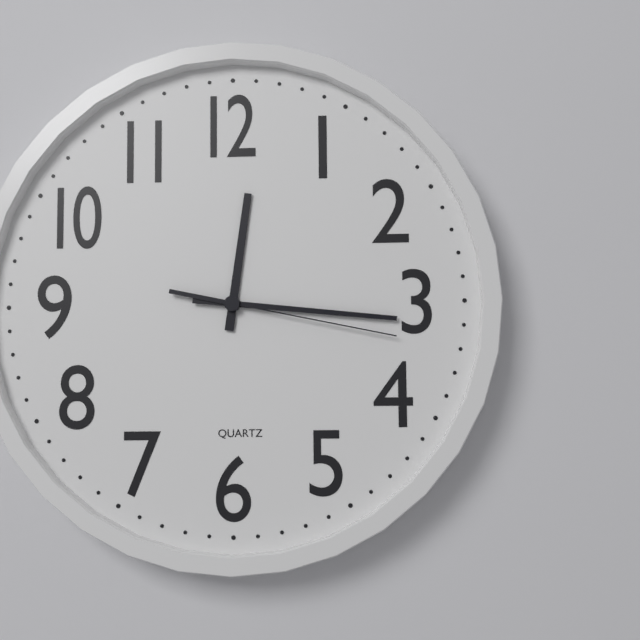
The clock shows 12:16:17
